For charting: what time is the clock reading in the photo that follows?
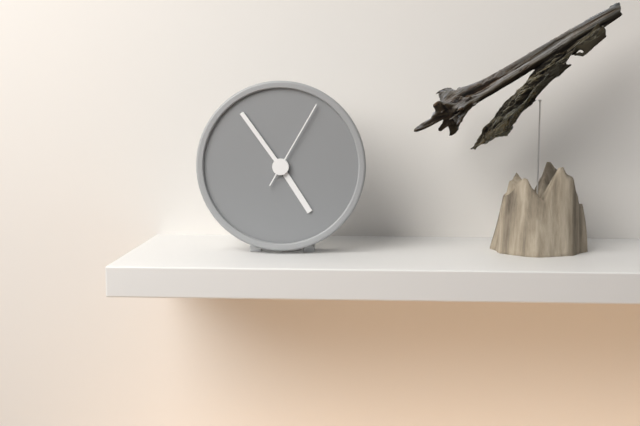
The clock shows 4:54:05
